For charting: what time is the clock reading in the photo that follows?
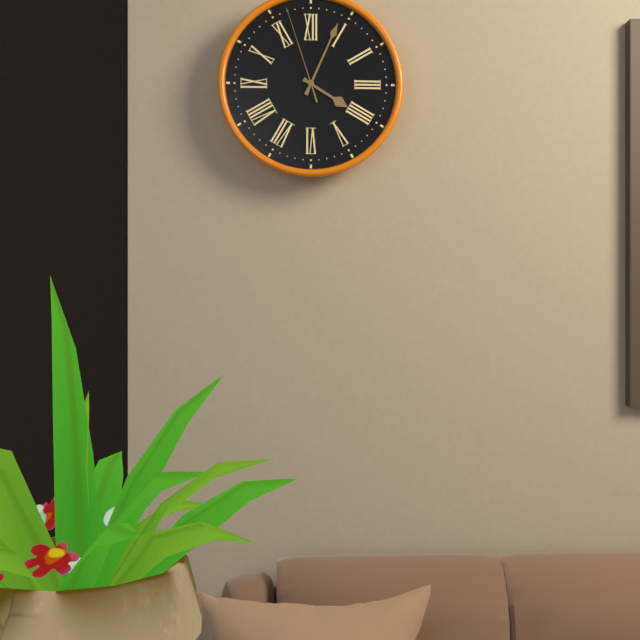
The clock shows 4:04:57
